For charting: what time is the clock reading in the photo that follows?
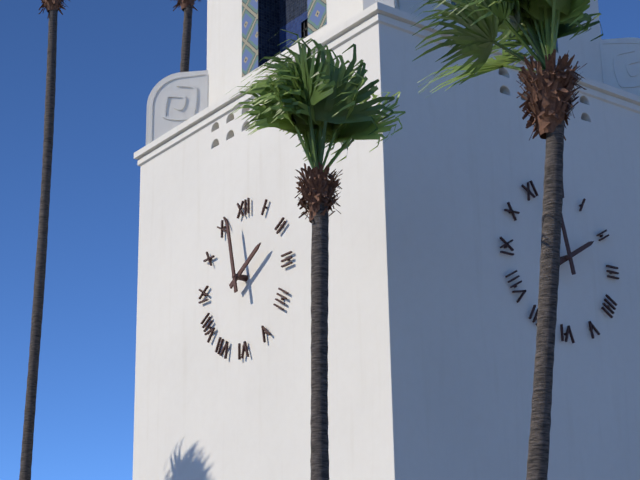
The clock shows 1:58
